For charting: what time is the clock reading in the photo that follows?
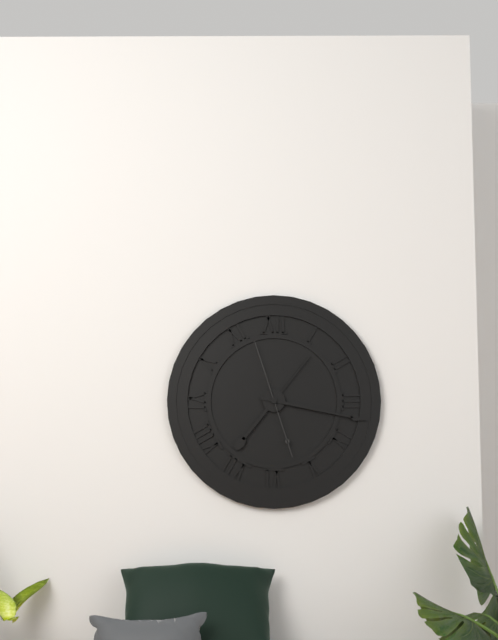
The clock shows 7:17:57
